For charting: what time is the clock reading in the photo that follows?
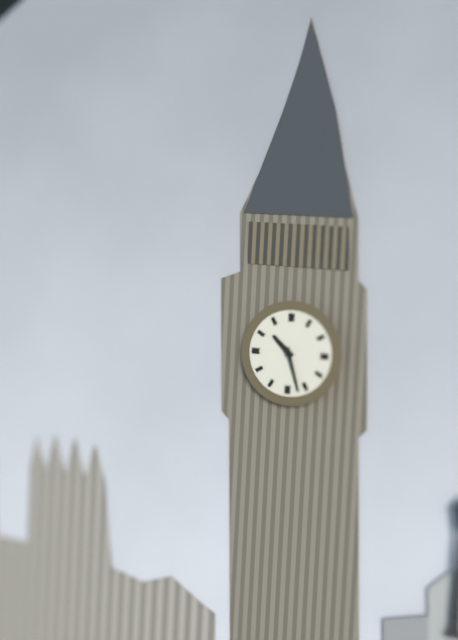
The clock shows 10:27
